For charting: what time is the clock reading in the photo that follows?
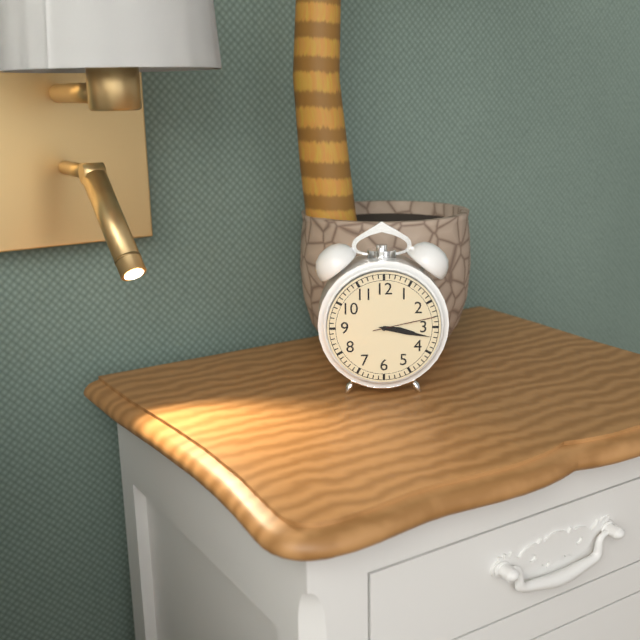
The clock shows 3:17:13
